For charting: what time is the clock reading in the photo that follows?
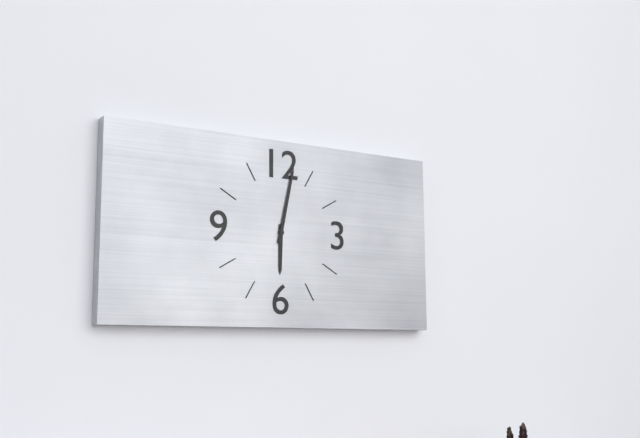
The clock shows 6:02
